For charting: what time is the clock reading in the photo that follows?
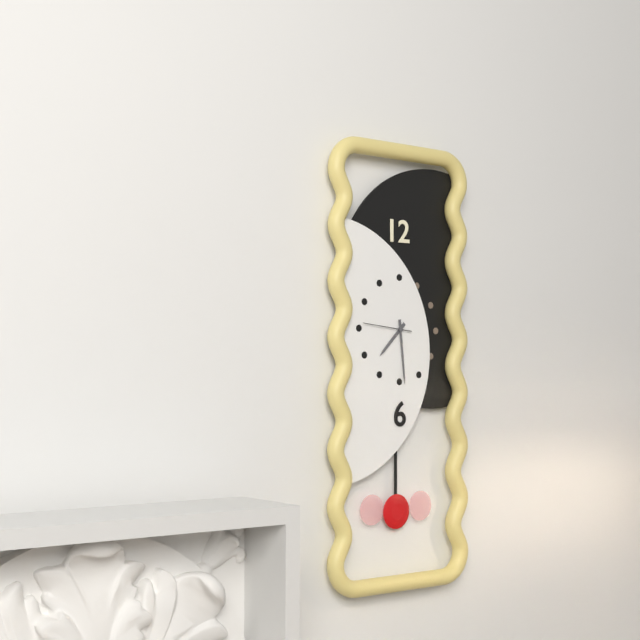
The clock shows 7:29
